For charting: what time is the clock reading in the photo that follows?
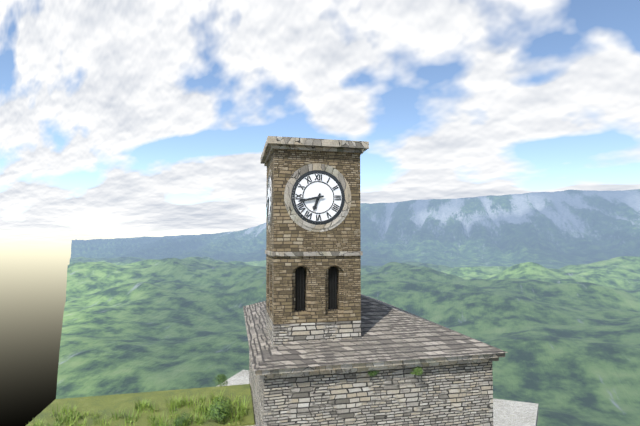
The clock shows 6:43
